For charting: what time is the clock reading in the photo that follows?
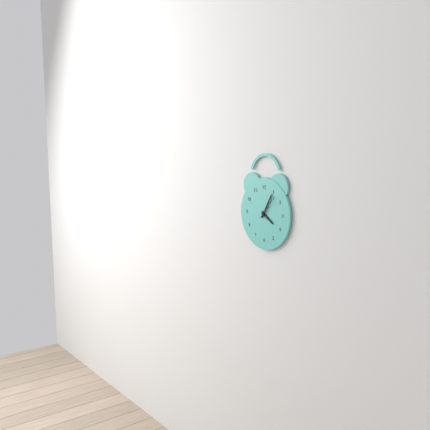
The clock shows 4:05
